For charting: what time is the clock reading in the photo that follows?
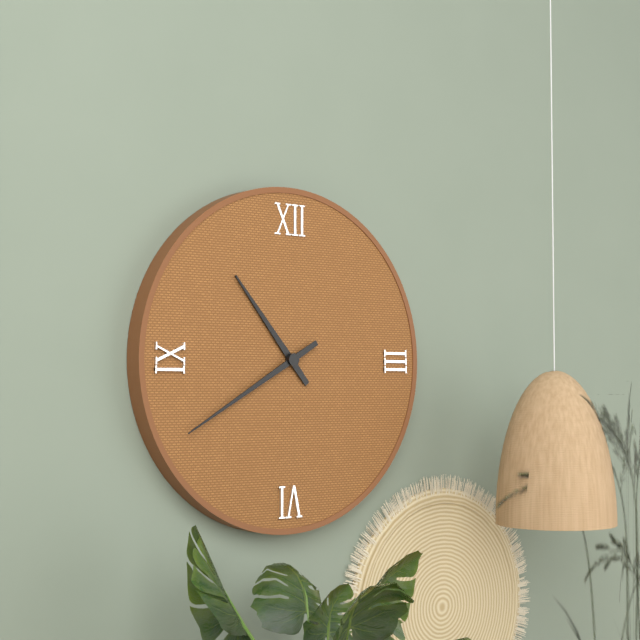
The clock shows 10:40
